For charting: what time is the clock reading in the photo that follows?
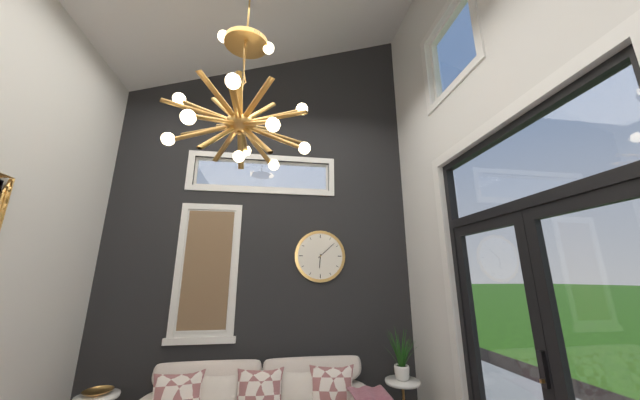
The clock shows 6:08
